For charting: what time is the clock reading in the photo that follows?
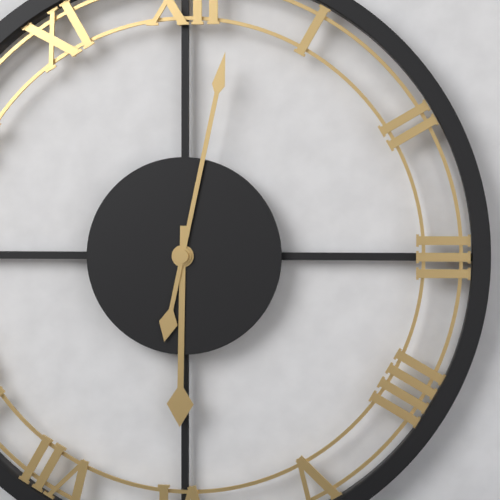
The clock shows 6:02
